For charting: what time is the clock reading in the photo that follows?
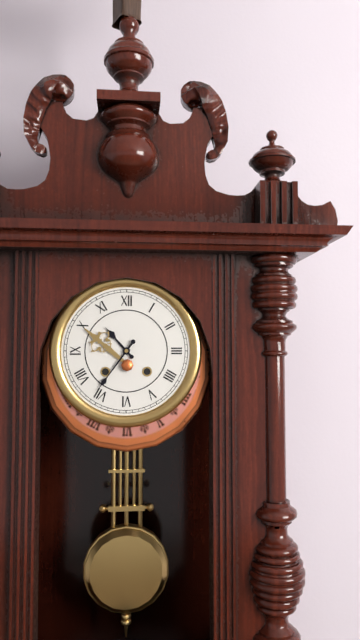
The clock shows 10:36
